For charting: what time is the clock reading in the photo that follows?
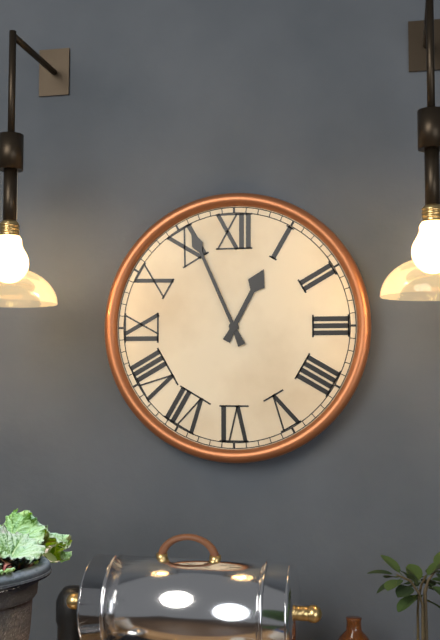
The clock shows 12:56
